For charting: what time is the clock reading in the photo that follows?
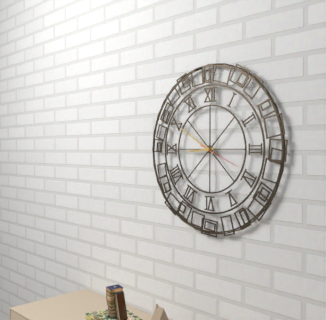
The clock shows 8:50
